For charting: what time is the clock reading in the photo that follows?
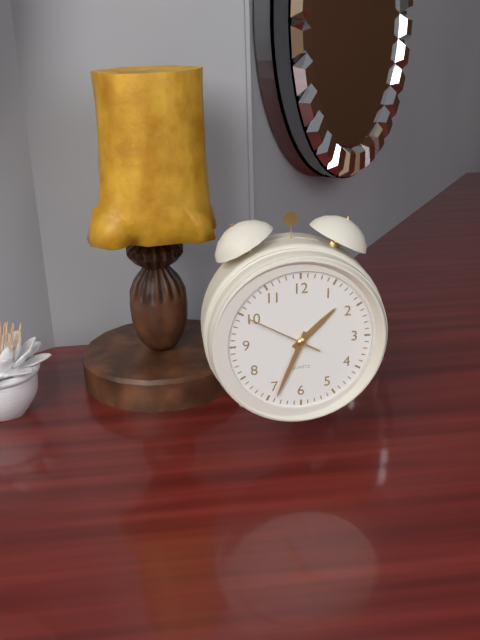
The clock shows 1:34:50
